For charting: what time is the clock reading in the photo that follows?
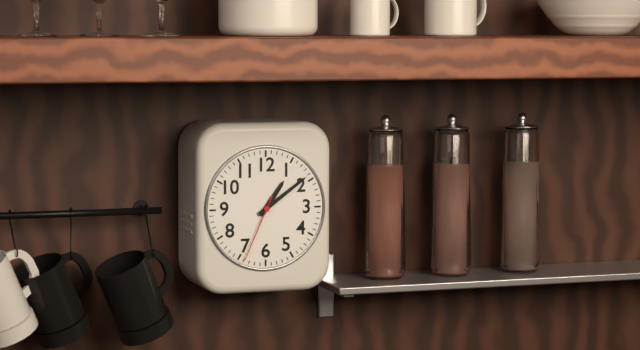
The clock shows 1:09:34
